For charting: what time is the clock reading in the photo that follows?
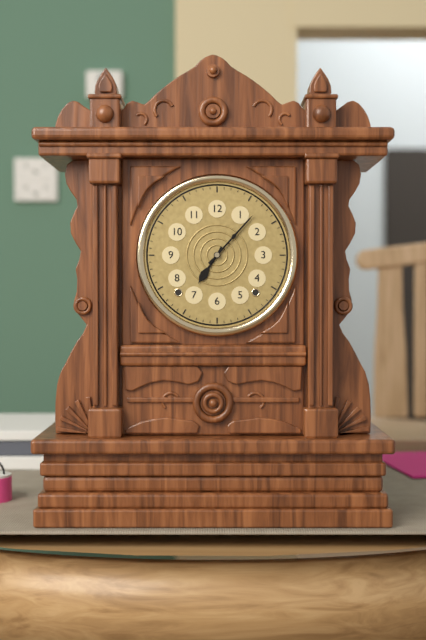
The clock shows 7:07
